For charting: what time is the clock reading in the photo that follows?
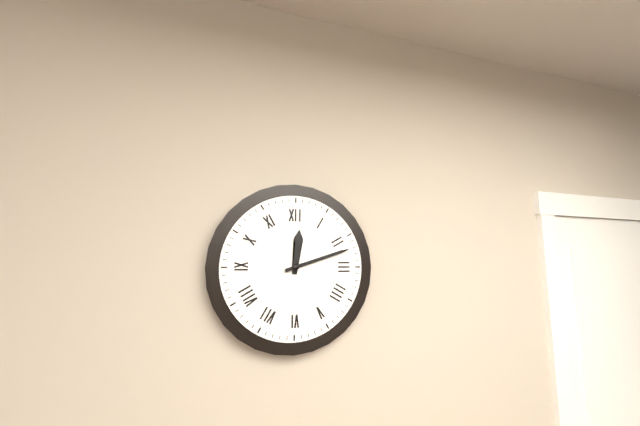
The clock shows 12:12
